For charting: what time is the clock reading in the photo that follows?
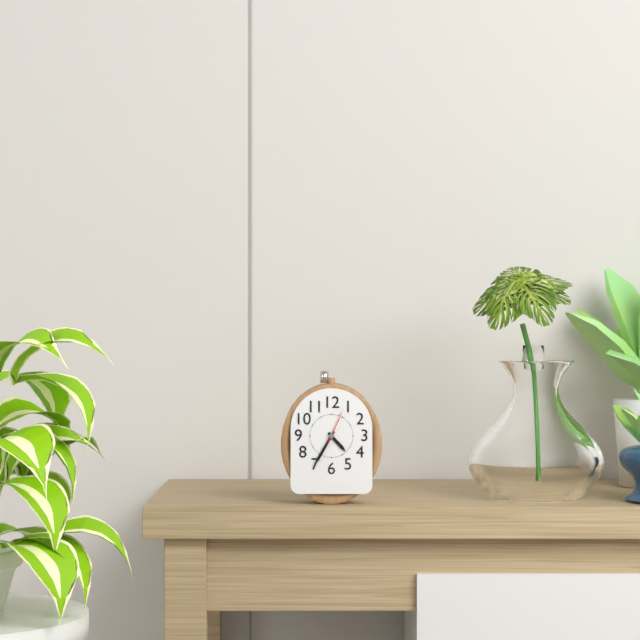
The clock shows 4:35
